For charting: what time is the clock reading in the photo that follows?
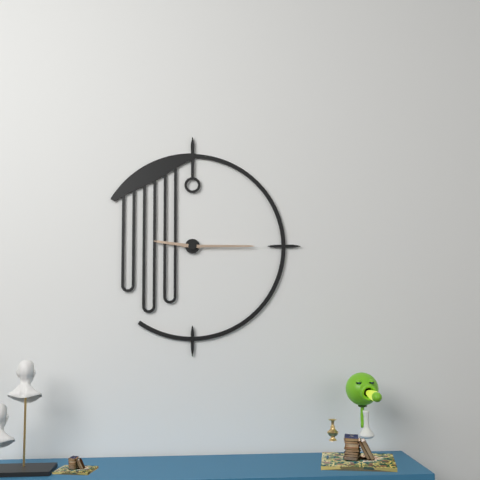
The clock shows 9:15
